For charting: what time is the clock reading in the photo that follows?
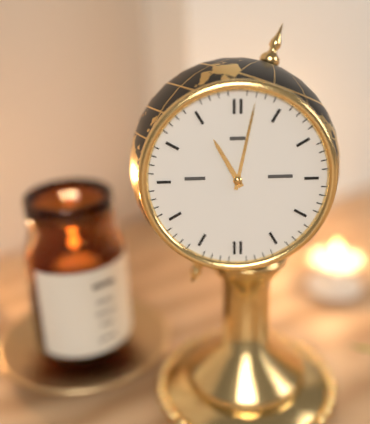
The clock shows 11:02
